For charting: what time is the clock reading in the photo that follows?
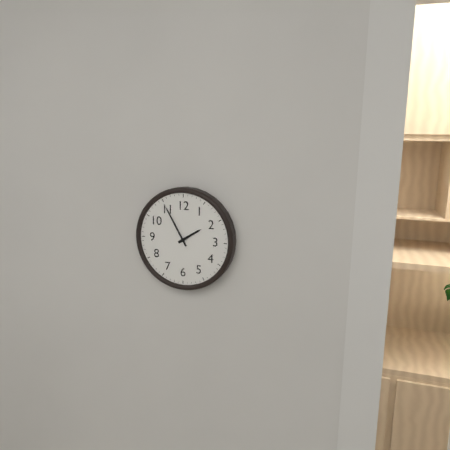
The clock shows 1:55
